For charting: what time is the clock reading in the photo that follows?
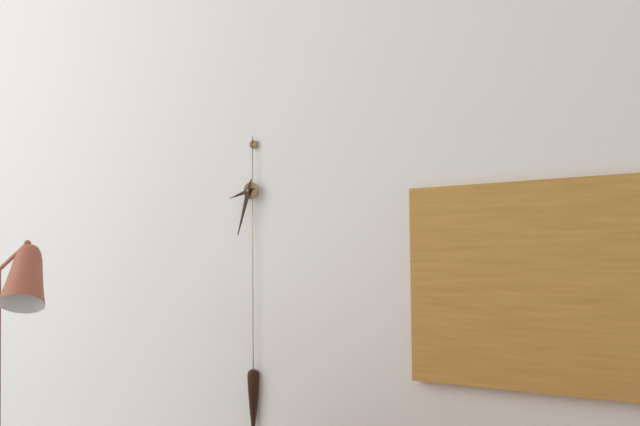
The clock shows 8:33
